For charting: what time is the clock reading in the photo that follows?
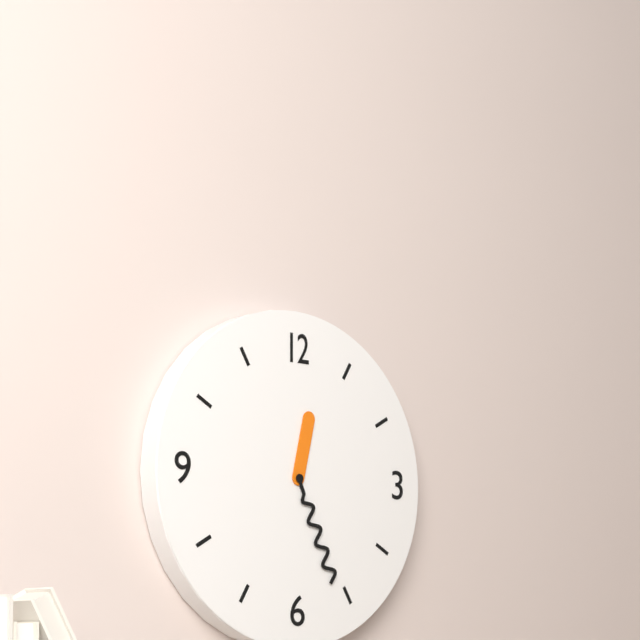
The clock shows 12:26
